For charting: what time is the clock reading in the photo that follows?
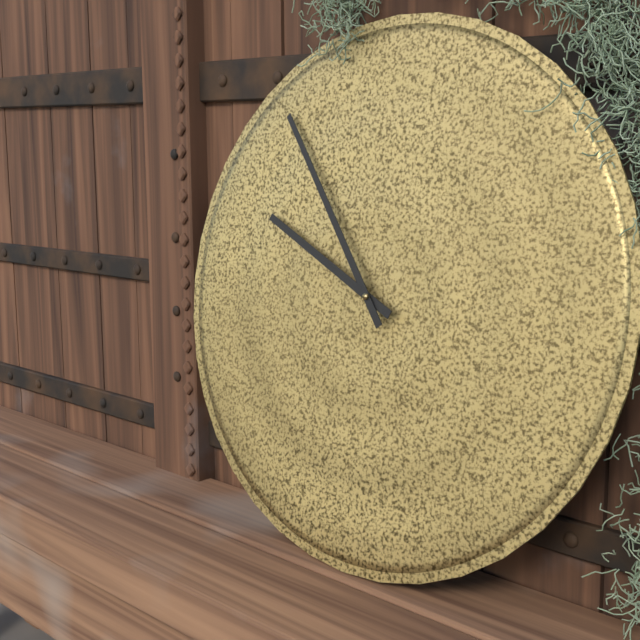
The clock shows 9:54
